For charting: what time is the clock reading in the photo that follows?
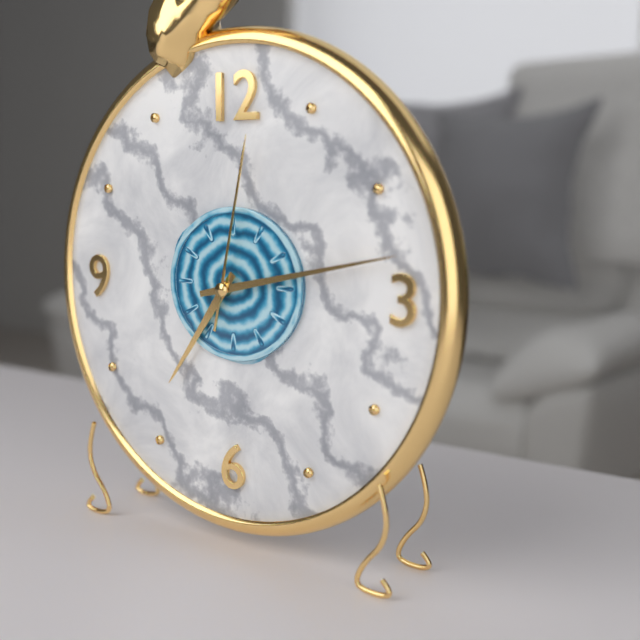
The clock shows 7:13:02
